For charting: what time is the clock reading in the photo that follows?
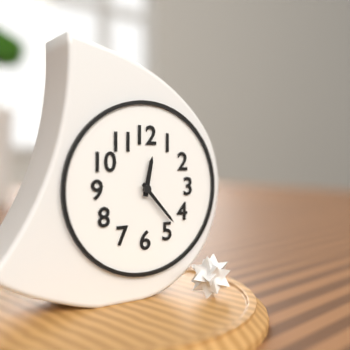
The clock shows 12:23
